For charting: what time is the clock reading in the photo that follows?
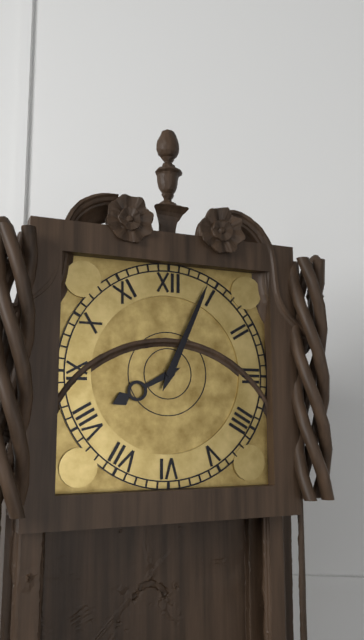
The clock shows 8:04
